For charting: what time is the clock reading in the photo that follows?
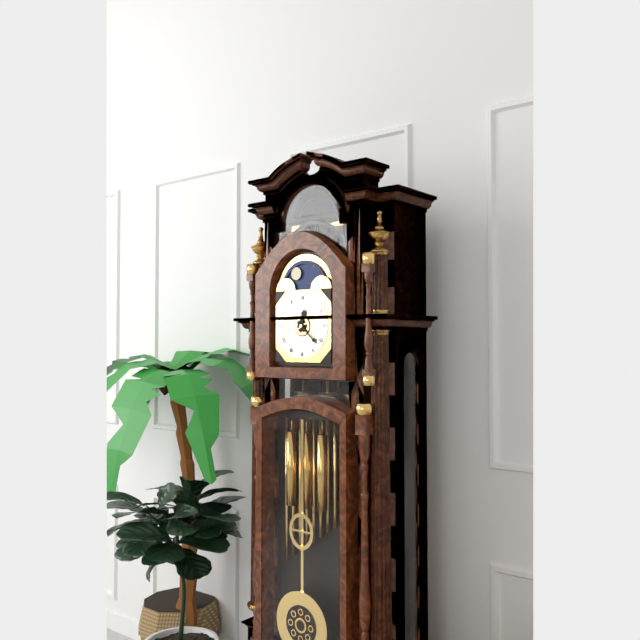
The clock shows 12:22
